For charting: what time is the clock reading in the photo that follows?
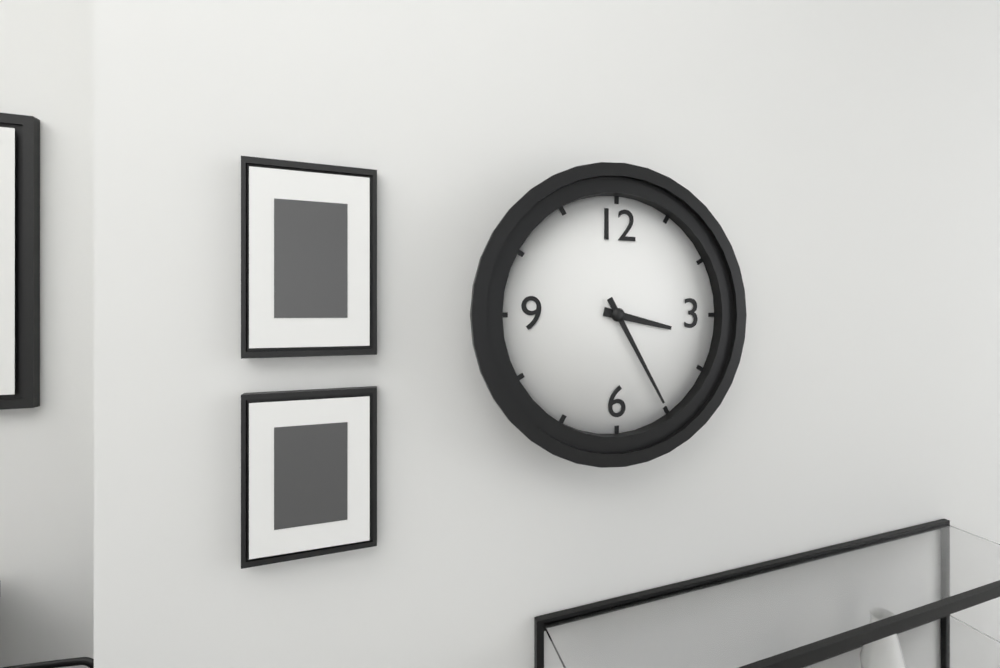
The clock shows 3:25
